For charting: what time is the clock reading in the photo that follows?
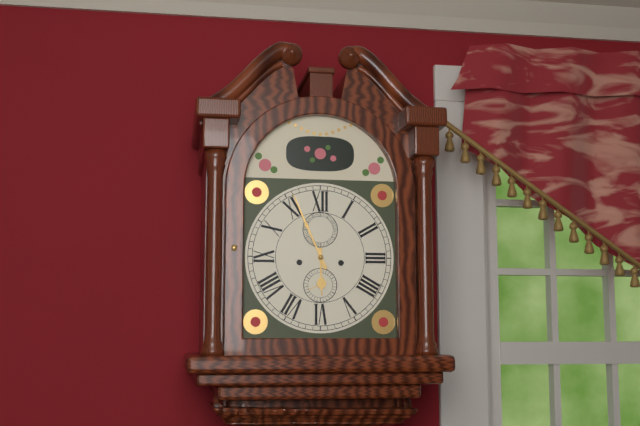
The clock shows 5:56
